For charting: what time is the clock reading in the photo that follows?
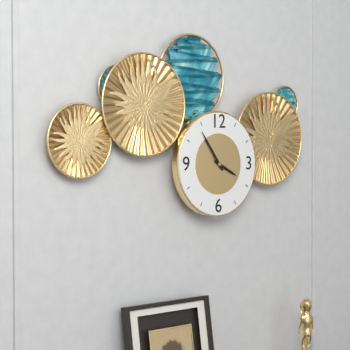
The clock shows 3:54
